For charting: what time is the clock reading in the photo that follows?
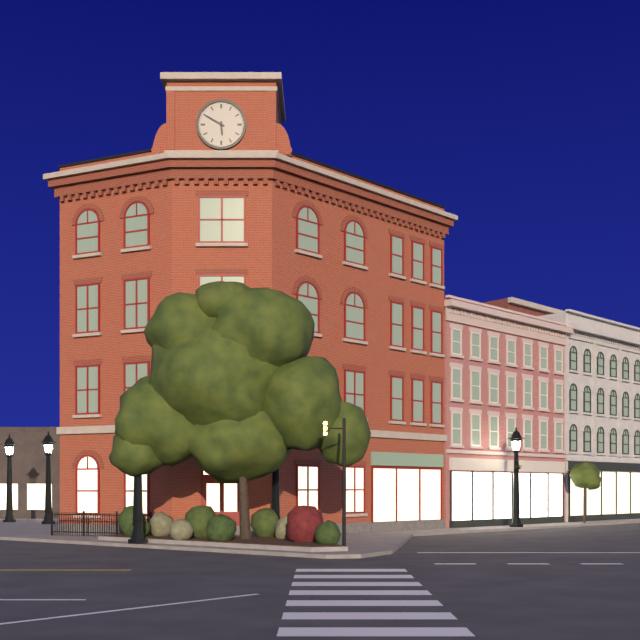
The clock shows 5:50
